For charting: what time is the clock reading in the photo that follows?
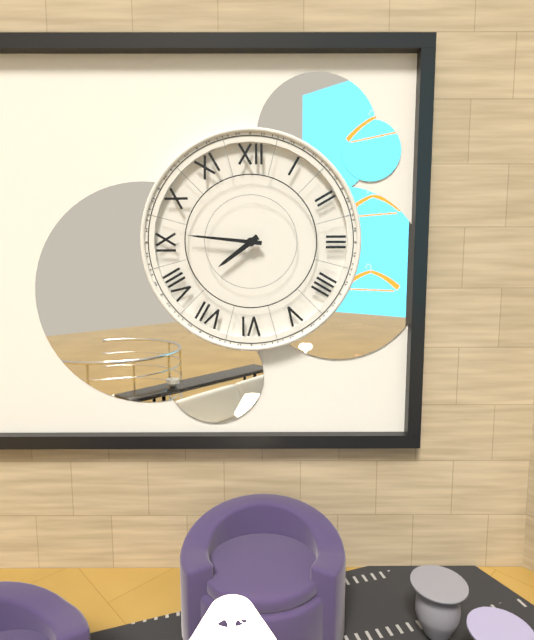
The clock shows 7:46
